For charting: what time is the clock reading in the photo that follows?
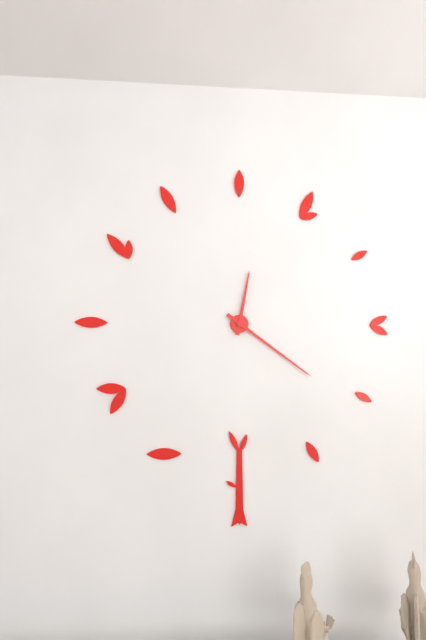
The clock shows 12:21
